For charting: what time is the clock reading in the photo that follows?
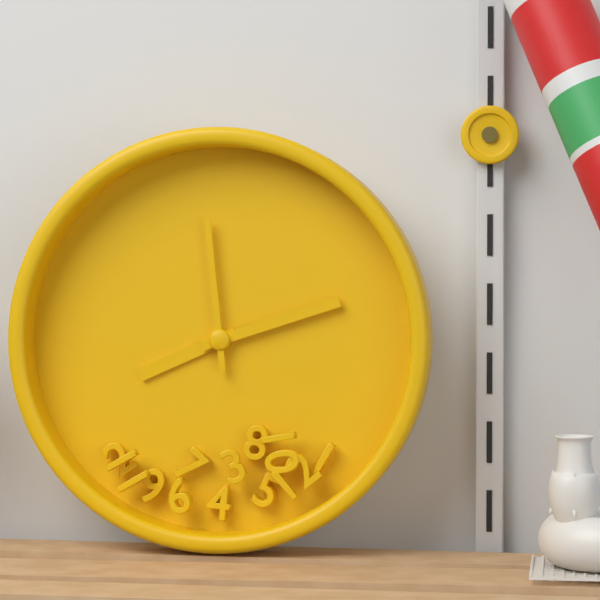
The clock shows 8:12:59
